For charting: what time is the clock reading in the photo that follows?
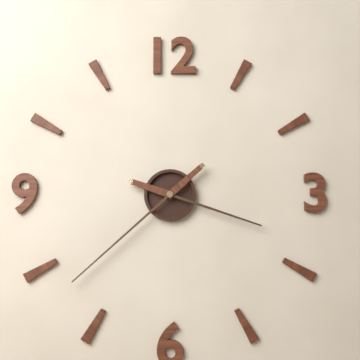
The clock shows 3:38
